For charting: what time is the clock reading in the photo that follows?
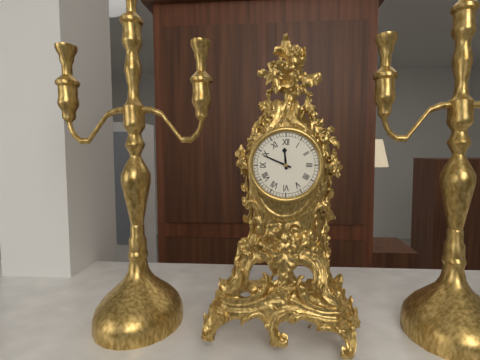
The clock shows 11:49
